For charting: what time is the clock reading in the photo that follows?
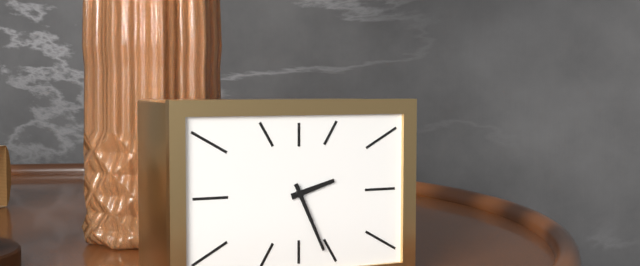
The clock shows 2:26
